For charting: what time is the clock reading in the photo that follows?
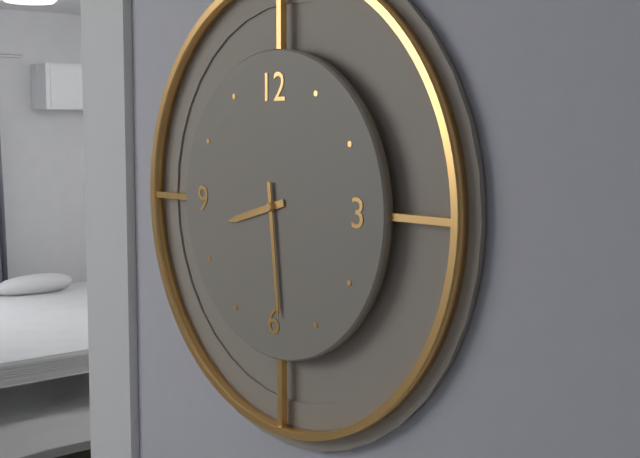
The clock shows 8:29
